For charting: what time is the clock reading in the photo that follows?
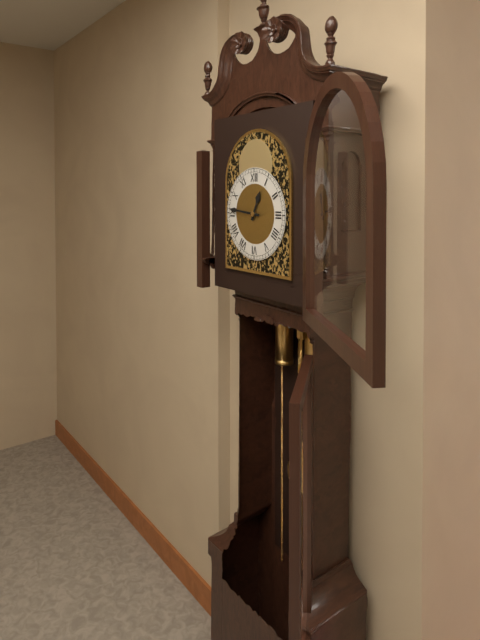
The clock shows 12:46
